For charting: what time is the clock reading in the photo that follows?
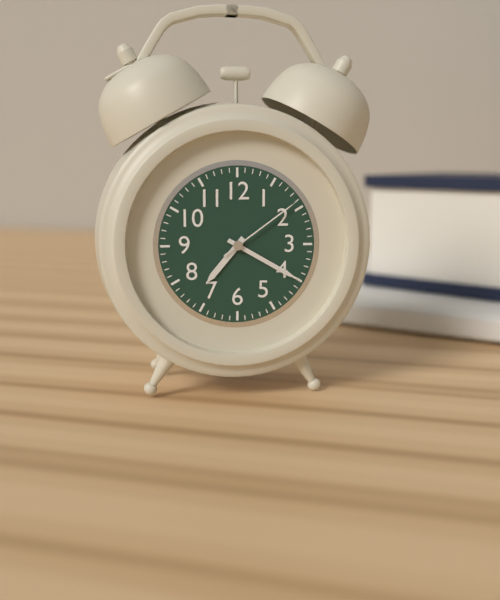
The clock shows 7:20:09
